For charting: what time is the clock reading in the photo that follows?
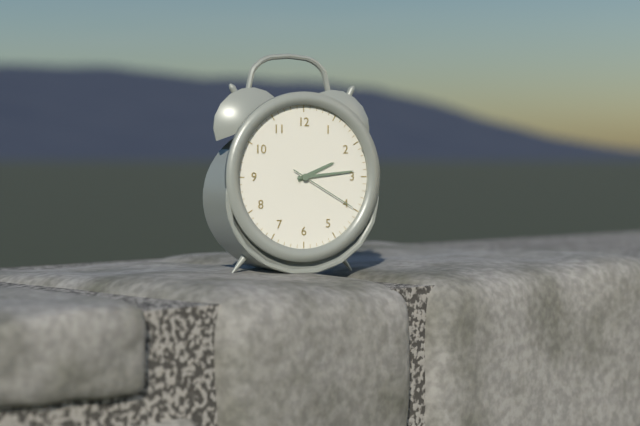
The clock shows 2:14:20
